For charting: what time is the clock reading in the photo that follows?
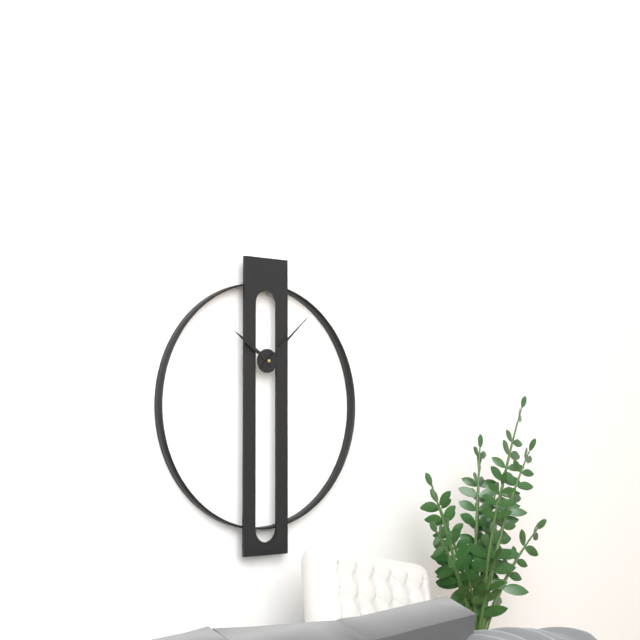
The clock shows 10:08
